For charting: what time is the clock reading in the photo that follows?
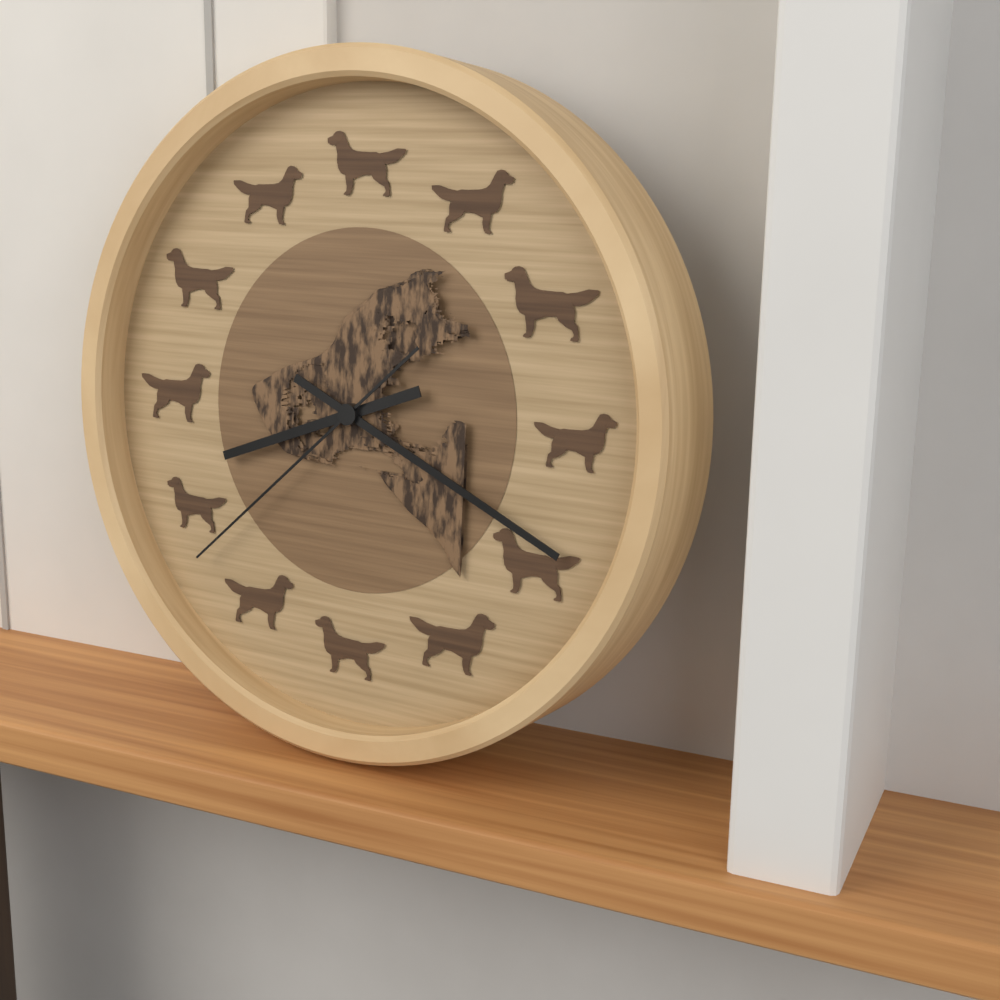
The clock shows 8:19:38
